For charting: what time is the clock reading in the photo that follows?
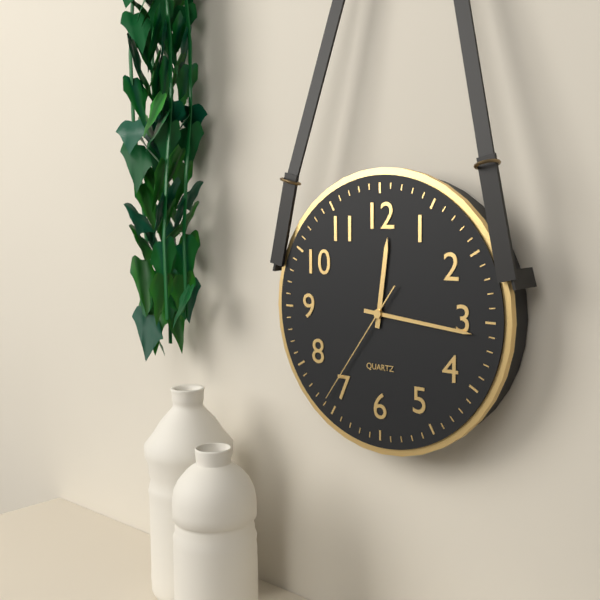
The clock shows 12:16:36
